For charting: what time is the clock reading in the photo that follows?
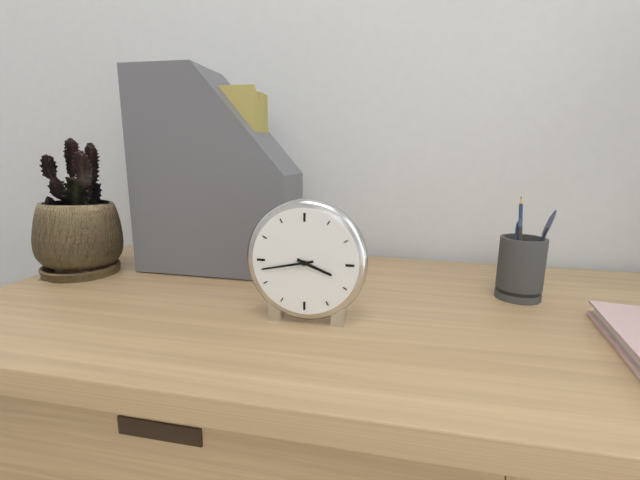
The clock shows 3:43
